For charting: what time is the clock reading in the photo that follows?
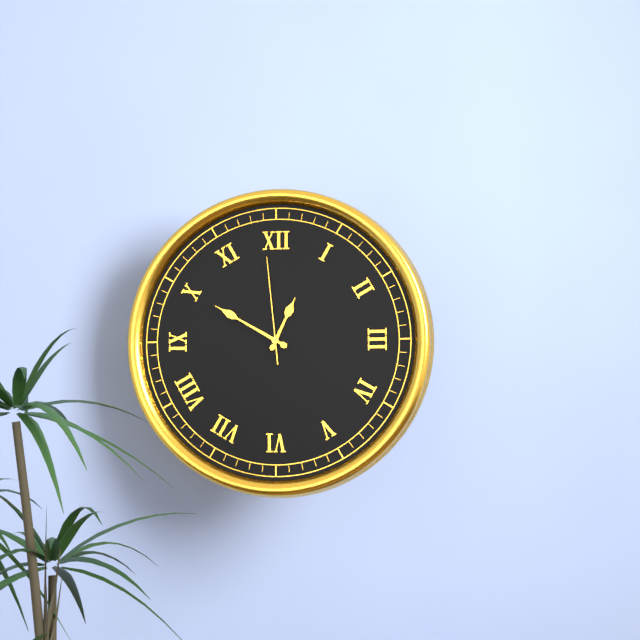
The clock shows 12:50:59
